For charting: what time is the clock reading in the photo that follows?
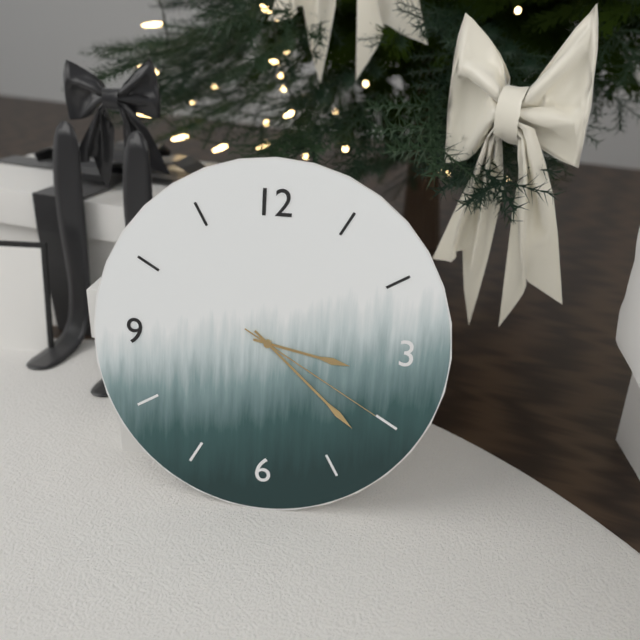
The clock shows 3:22:20
